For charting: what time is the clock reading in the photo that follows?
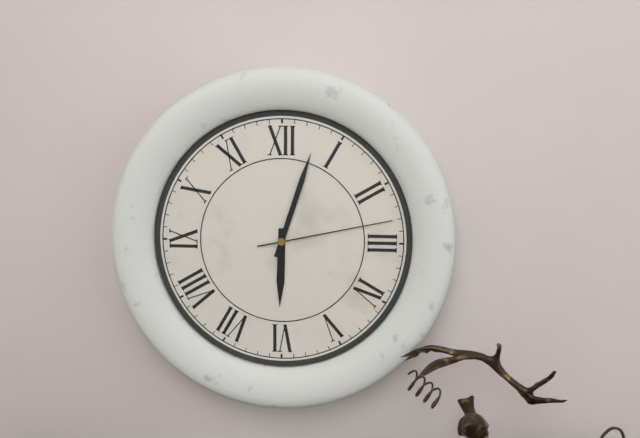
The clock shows 6:03:13
